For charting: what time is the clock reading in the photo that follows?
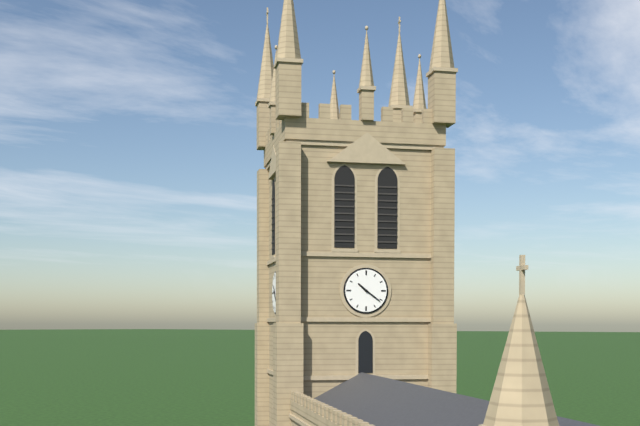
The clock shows 10:21
